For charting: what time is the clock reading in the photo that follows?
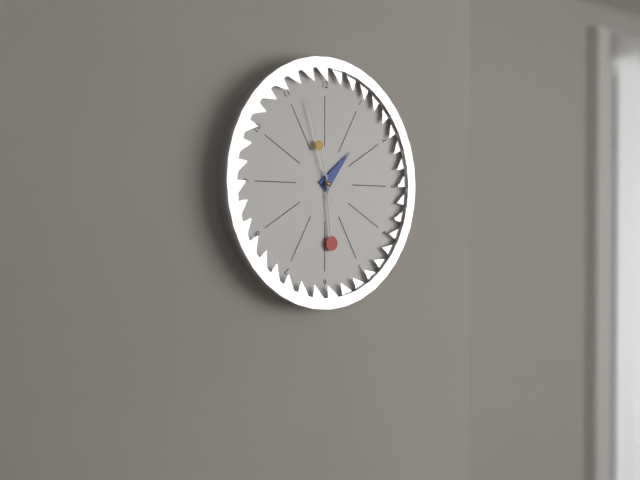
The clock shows 1:29:57
